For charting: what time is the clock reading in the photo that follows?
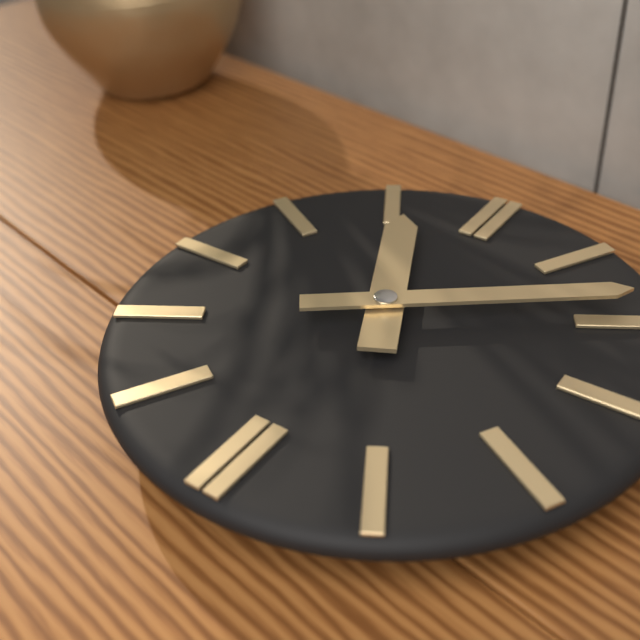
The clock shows 11:09
